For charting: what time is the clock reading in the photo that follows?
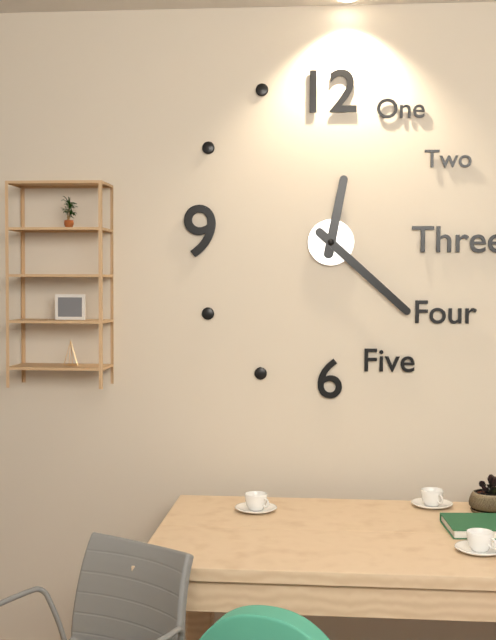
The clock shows 12:22
